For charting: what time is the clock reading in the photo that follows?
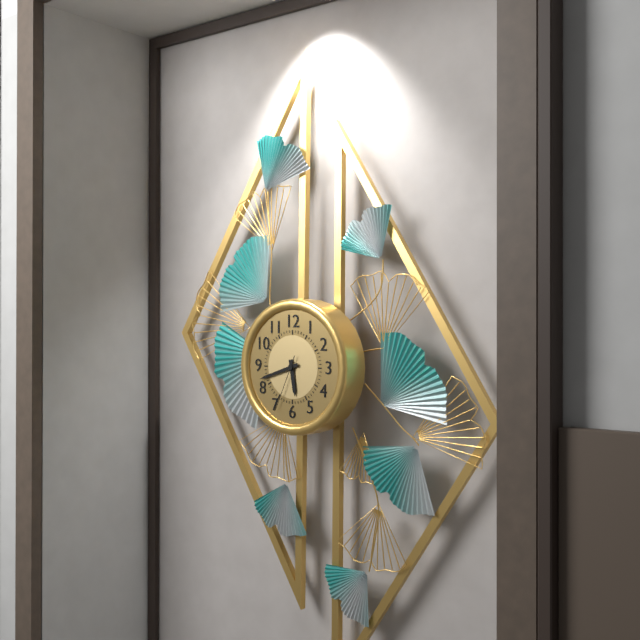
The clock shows 5:42:34
